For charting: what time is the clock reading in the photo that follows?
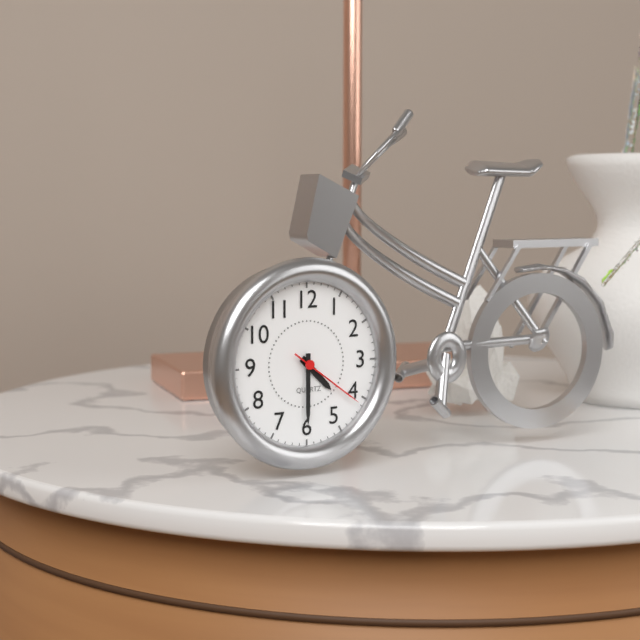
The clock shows 4:30:21
